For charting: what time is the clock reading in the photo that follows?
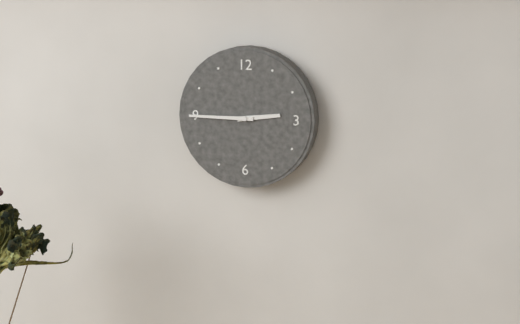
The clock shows 2:45
